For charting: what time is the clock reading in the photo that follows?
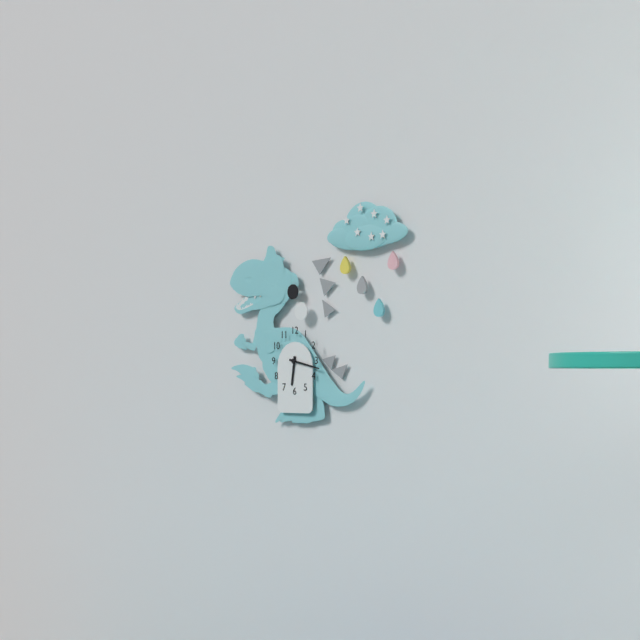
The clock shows 6:17
